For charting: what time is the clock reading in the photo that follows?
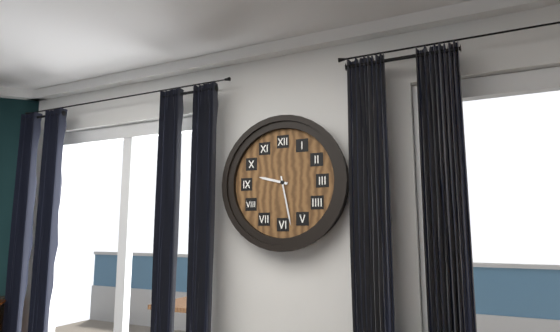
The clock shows 9:28
